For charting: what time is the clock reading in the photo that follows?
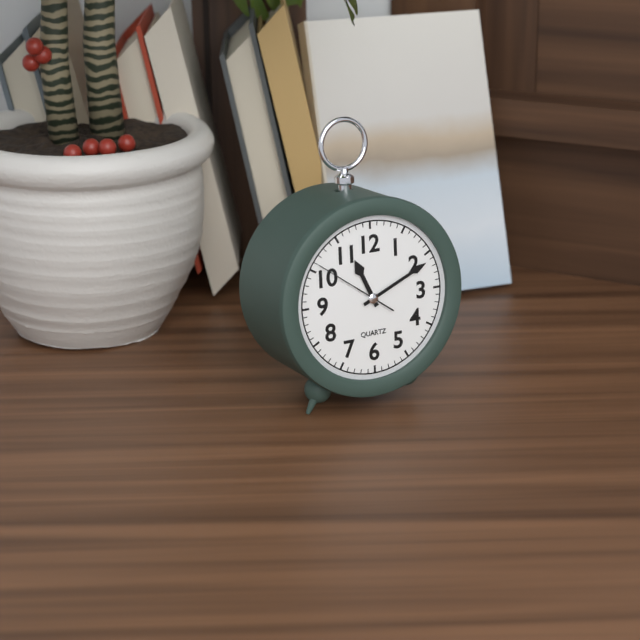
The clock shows 11:11:51
